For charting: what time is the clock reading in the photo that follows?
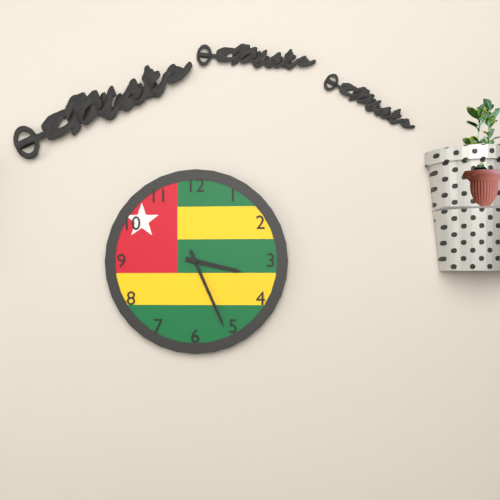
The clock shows 3:26
